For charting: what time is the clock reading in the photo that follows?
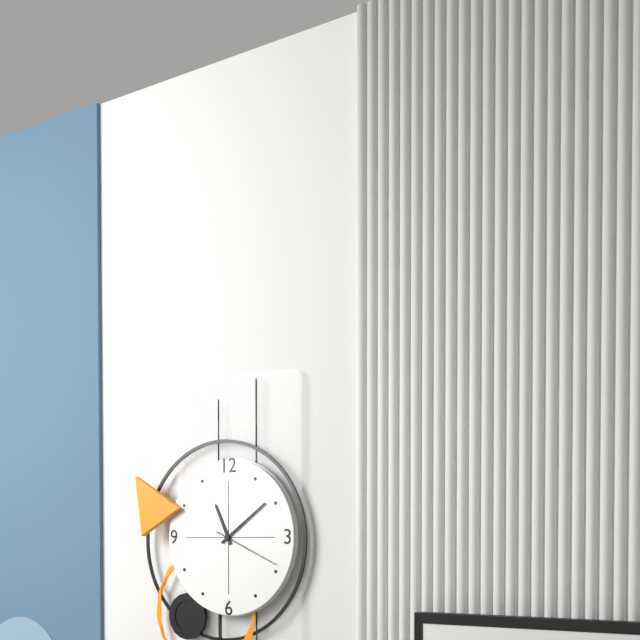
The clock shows 11:09:19
